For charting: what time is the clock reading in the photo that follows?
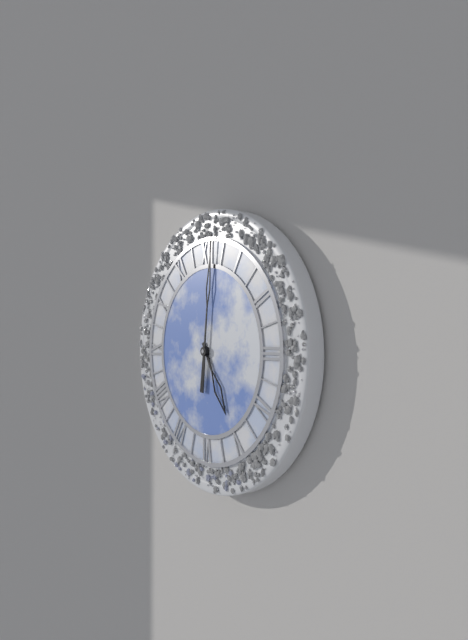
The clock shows 5:01
